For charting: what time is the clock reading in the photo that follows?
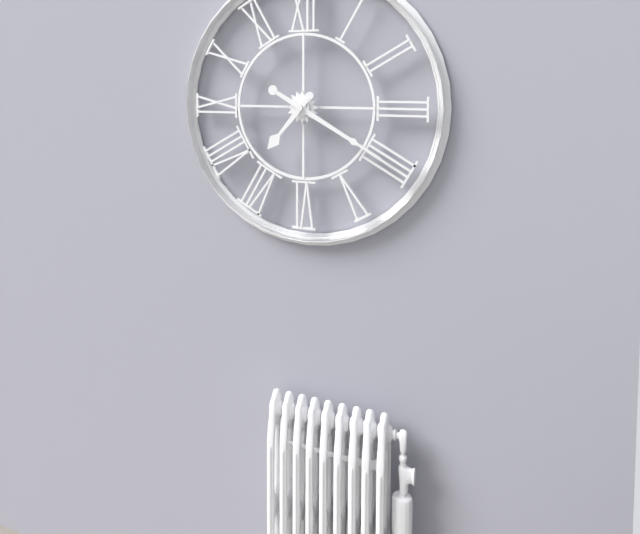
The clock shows 7:20
